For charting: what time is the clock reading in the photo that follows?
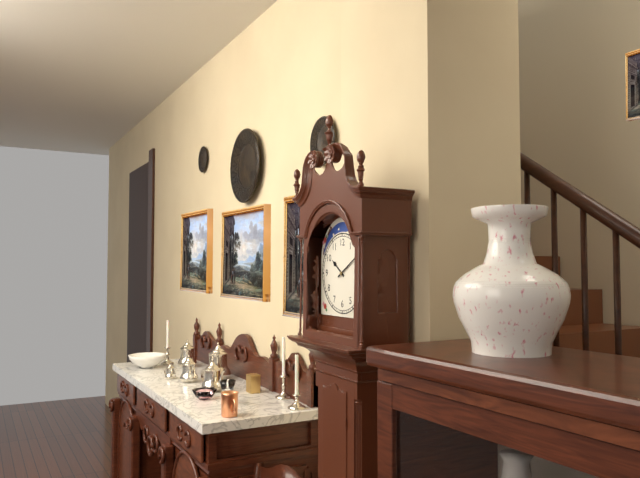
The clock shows 10:10
